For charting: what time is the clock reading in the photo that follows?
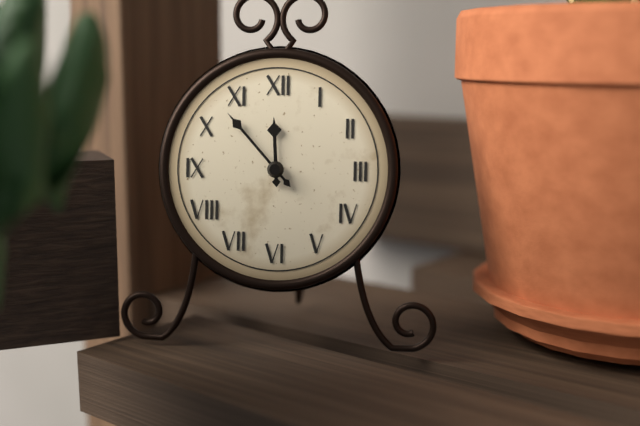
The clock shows 11:53
